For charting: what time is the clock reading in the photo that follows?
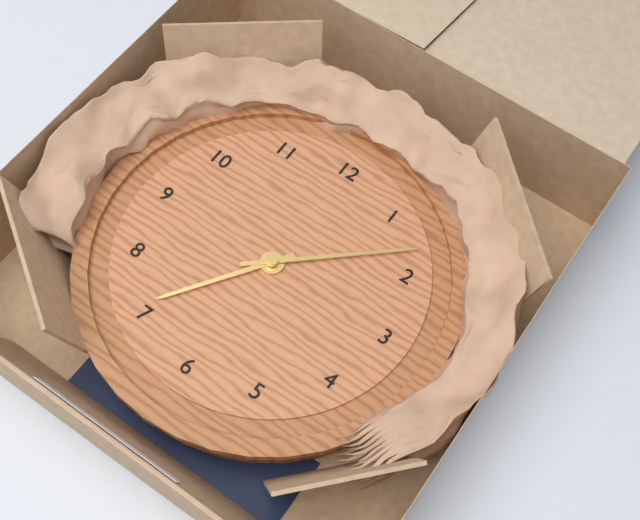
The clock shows 7:08
